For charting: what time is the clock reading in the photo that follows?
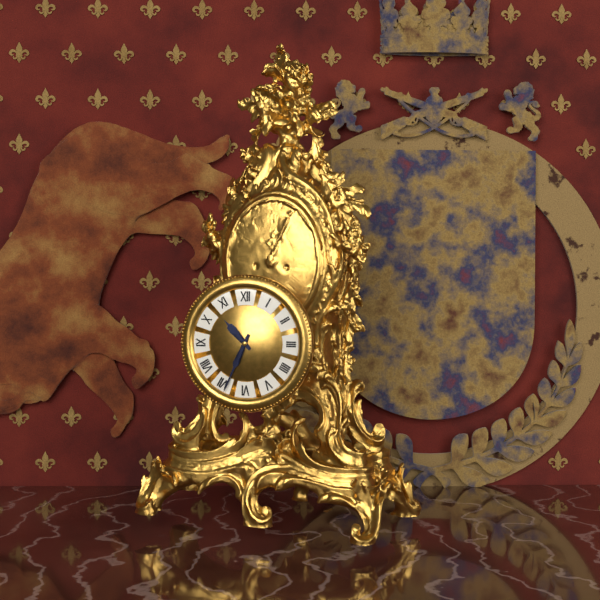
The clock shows 10:34
